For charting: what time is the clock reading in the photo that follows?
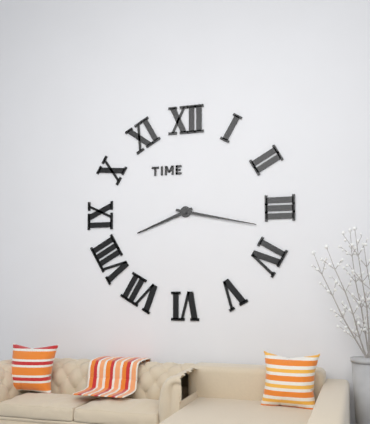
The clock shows 8:17
